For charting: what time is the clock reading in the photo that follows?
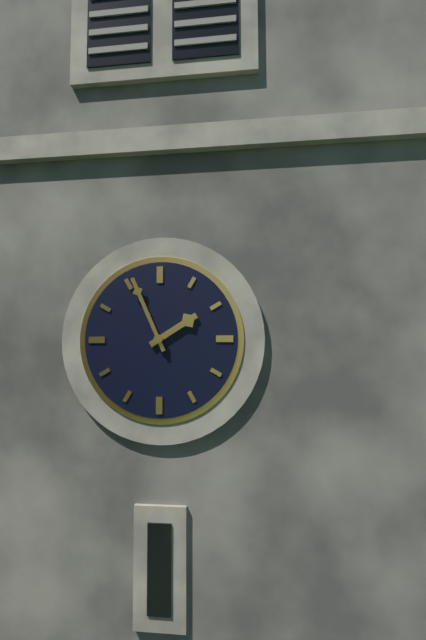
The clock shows 1:56
